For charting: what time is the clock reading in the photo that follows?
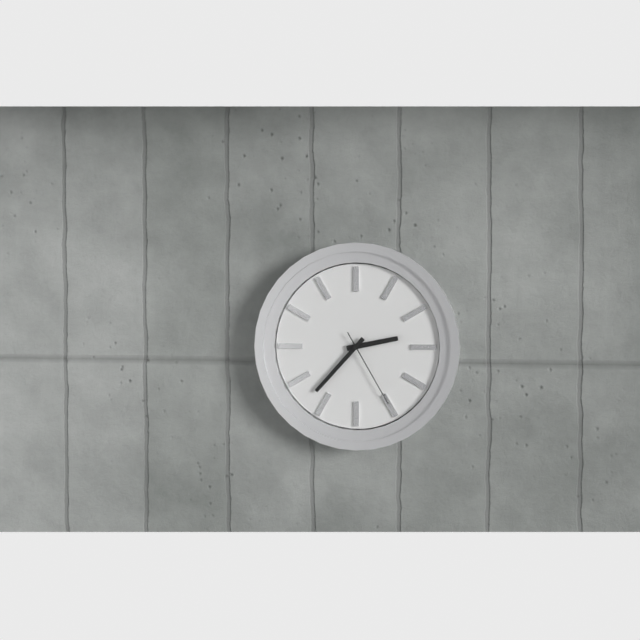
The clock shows 2:37:25
